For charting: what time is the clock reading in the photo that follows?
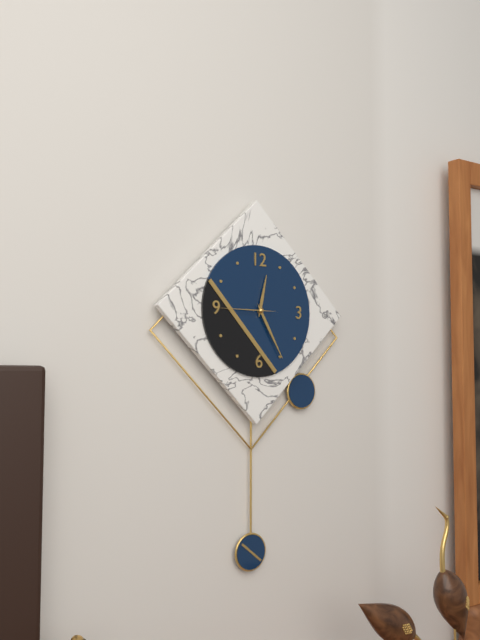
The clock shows 12:25:45
